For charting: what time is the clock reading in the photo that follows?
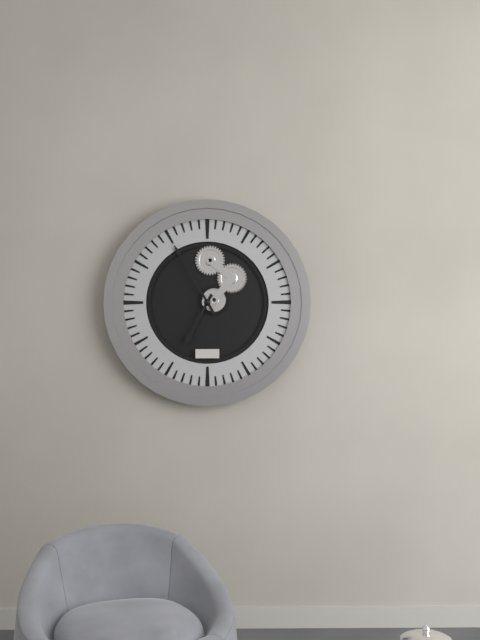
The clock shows 6:55
